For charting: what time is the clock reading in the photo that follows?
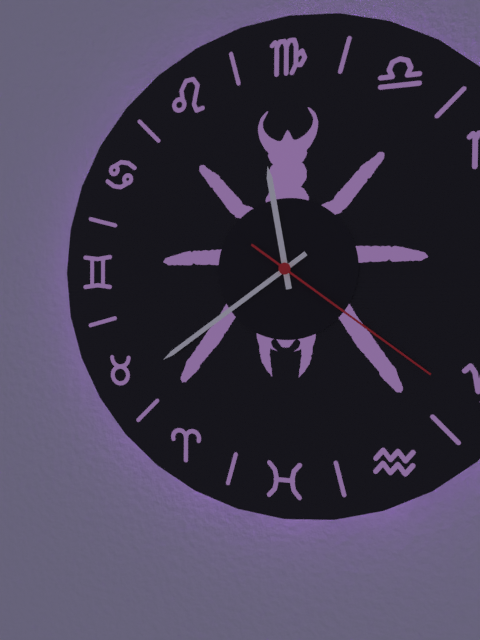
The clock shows 11:39:21
